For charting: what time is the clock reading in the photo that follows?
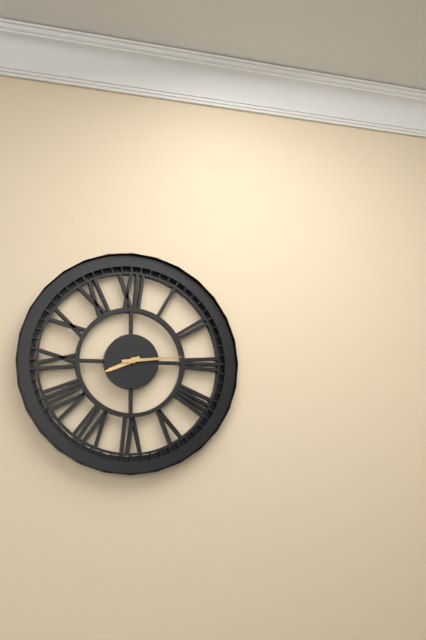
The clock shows 8:14
